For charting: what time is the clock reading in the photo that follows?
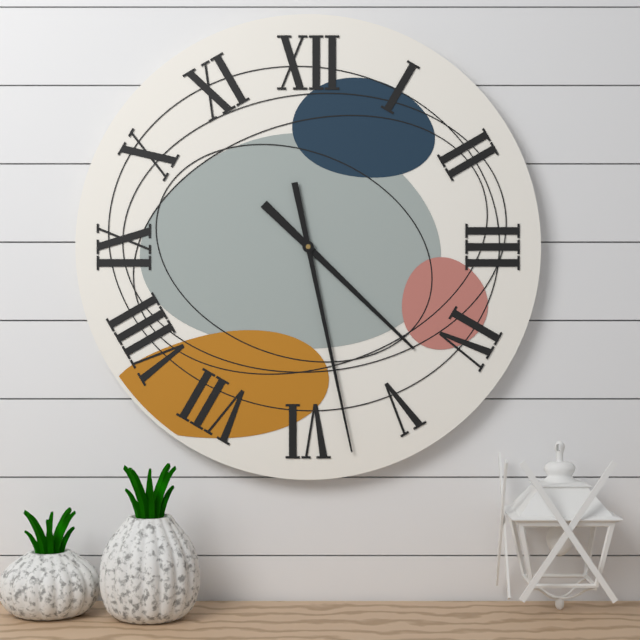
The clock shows 4:28
